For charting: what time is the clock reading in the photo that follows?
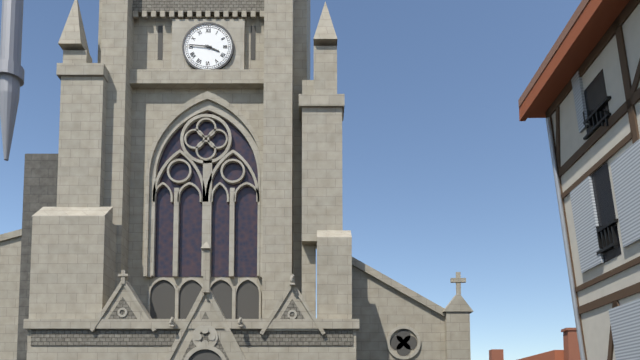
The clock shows 3:46
